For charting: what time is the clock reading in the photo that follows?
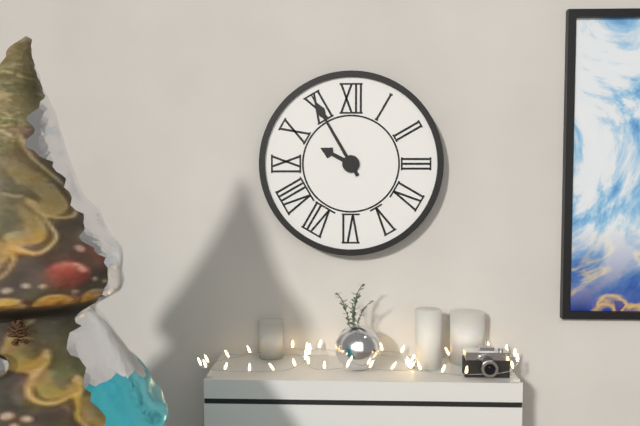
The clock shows 9:55
